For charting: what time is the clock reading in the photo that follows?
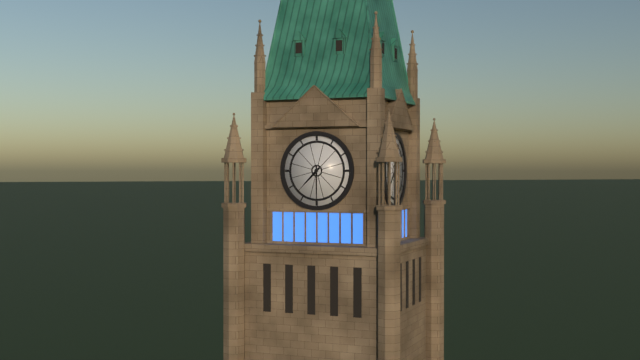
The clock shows 7:30
